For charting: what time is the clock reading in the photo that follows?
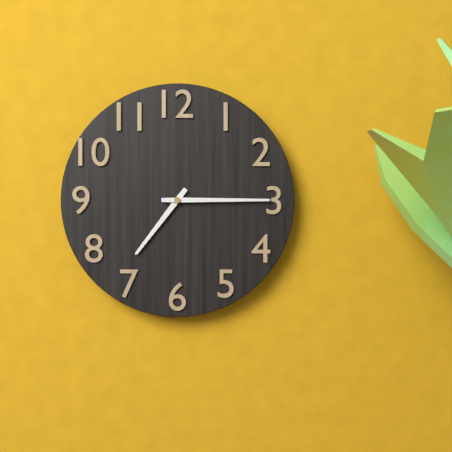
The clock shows 7:15
